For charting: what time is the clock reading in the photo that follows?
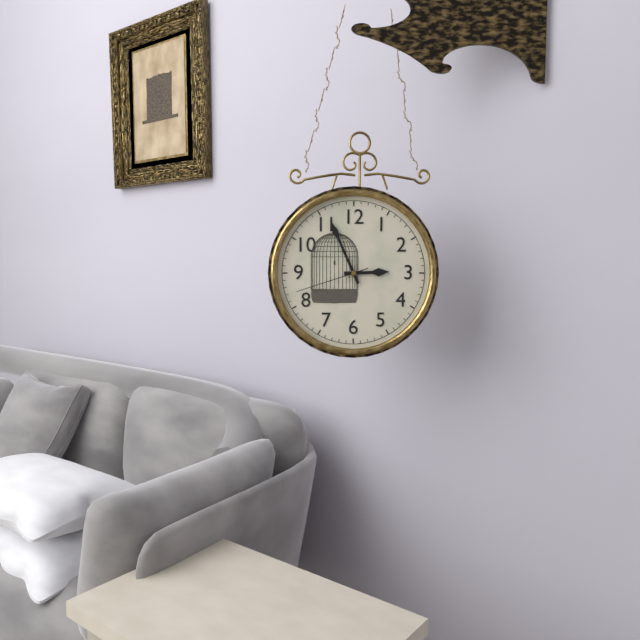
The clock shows 2:56:42
